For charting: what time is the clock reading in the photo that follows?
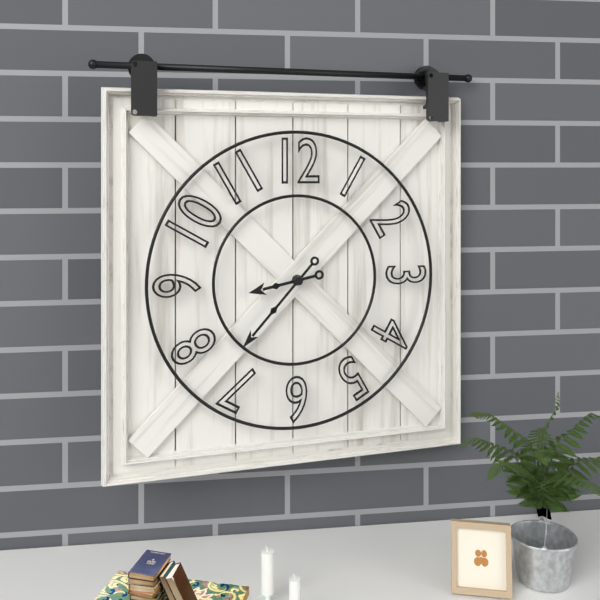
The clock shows 8:37
